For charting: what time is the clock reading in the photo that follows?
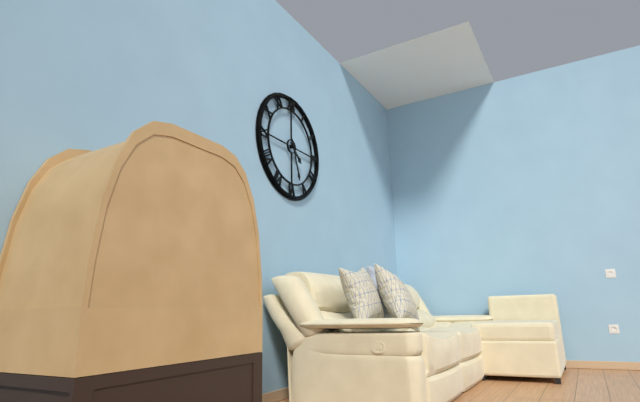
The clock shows 4:27
